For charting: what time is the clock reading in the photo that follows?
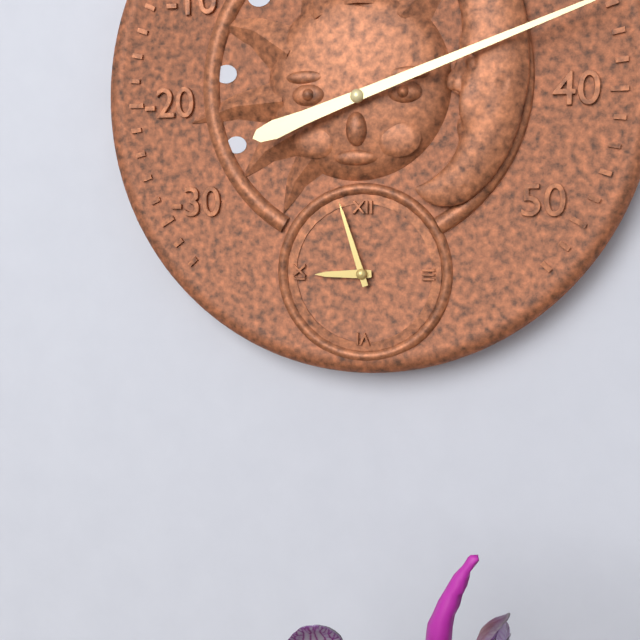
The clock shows 8:57
